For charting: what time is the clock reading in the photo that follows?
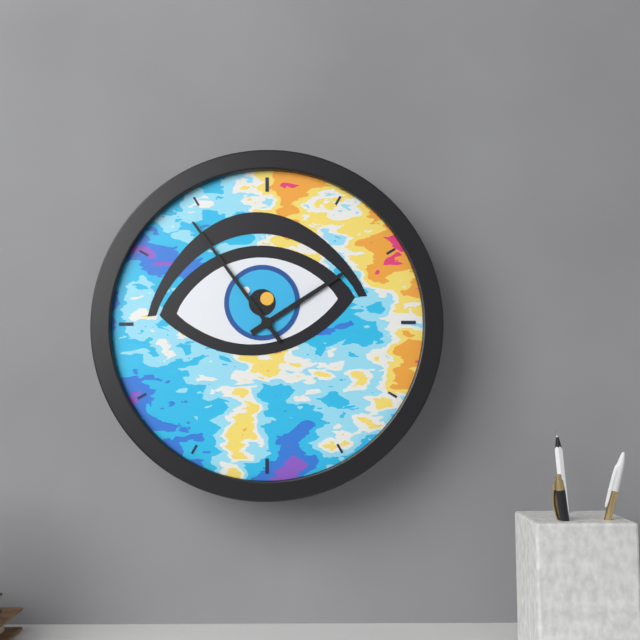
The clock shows 1:54
